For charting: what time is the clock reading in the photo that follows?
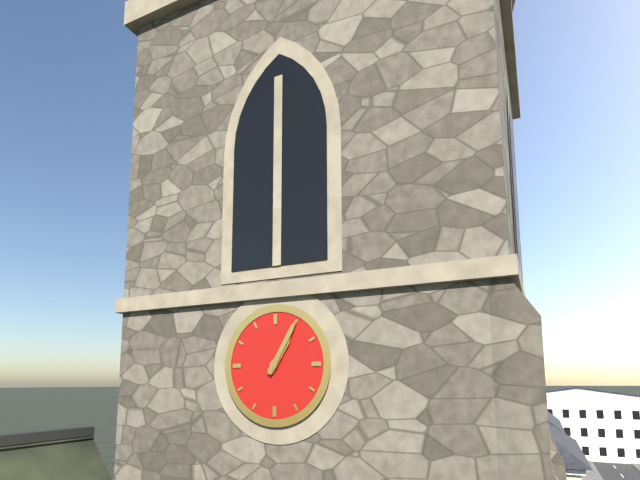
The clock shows 1:05
